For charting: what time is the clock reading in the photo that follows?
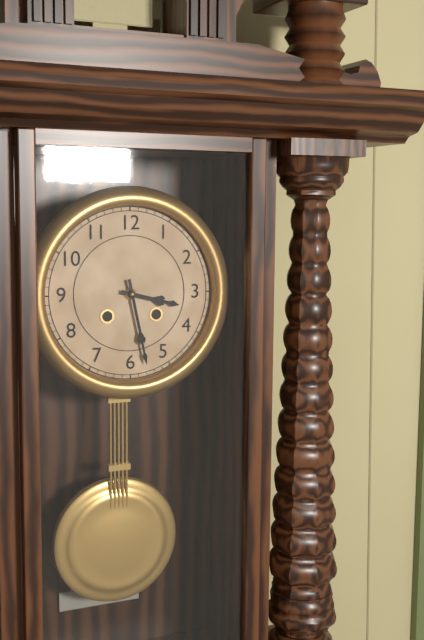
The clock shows 3:28
